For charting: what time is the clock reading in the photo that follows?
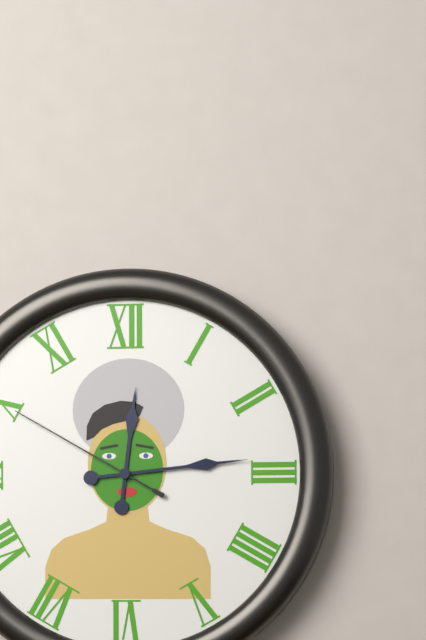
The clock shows 12:14:50
